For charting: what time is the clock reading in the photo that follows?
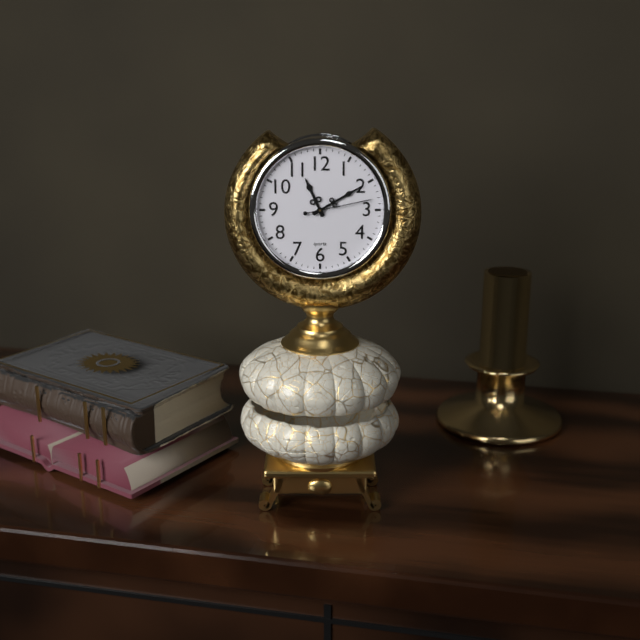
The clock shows 11:10:13
